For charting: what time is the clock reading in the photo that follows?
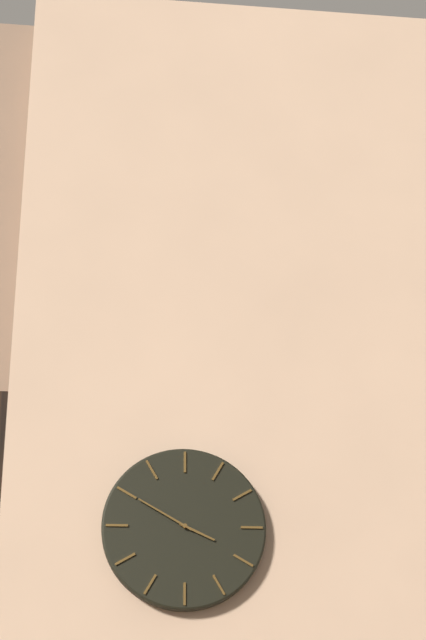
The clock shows 3:50
